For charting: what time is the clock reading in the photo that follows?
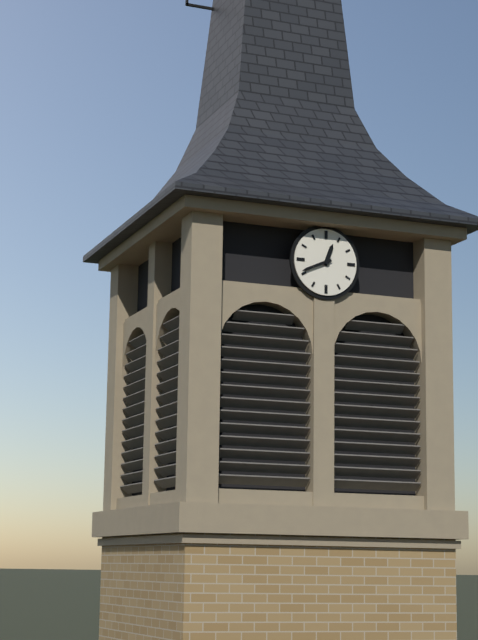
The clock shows 12:41
